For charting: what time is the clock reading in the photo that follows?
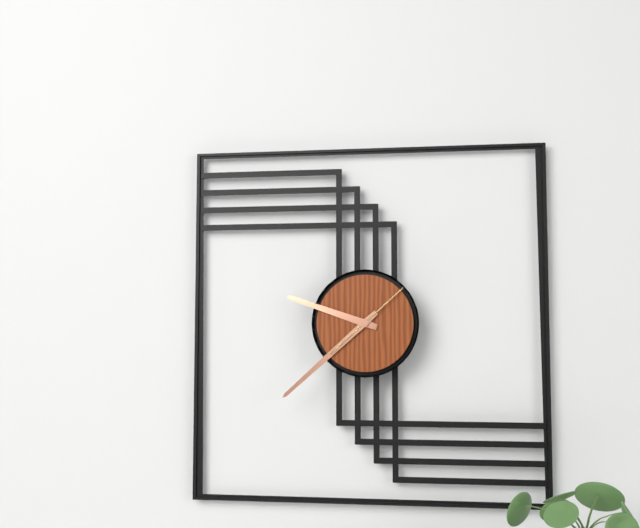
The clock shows 9:38:08
